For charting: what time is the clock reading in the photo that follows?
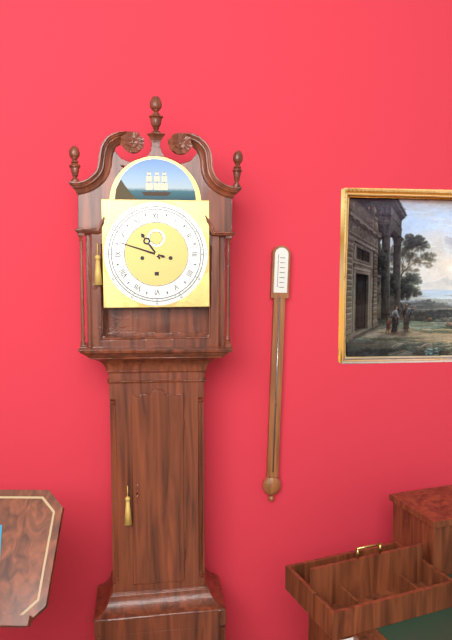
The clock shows 10:48
